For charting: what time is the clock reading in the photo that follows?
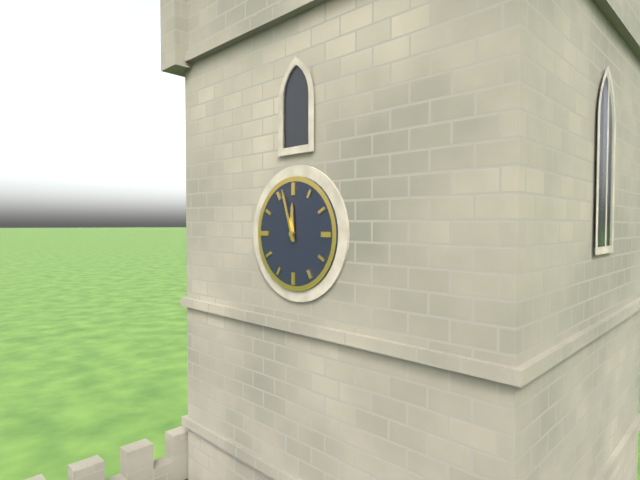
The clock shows 11:57
